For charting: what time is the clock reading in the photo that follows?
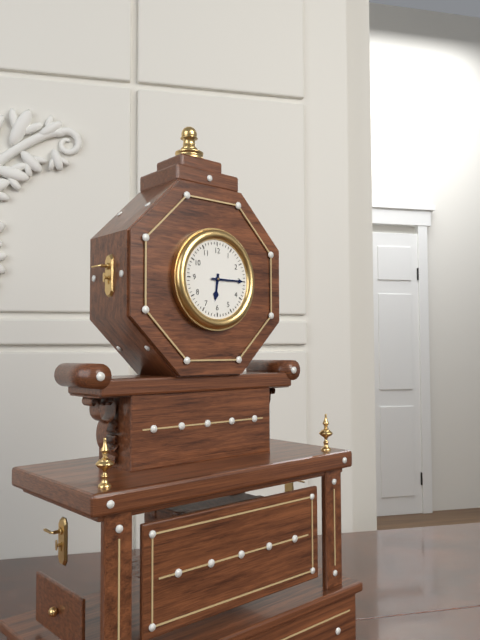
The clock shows 6:15
